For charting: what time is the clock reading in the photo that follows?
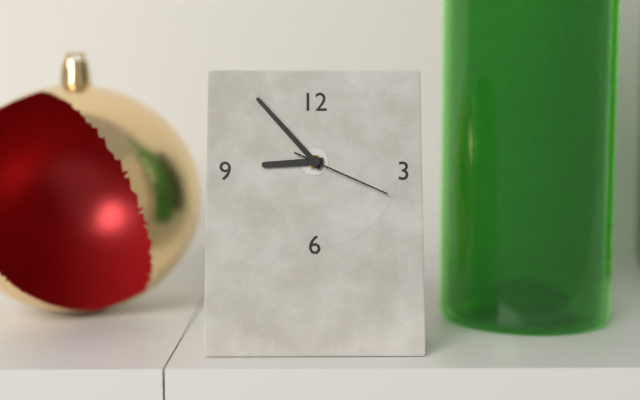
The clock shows 8:53:19
